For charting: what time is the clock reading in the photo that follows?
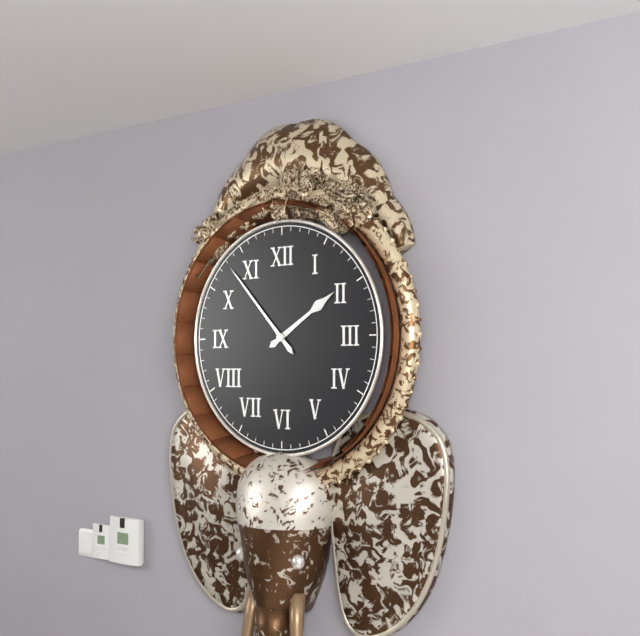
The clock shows 1:53
